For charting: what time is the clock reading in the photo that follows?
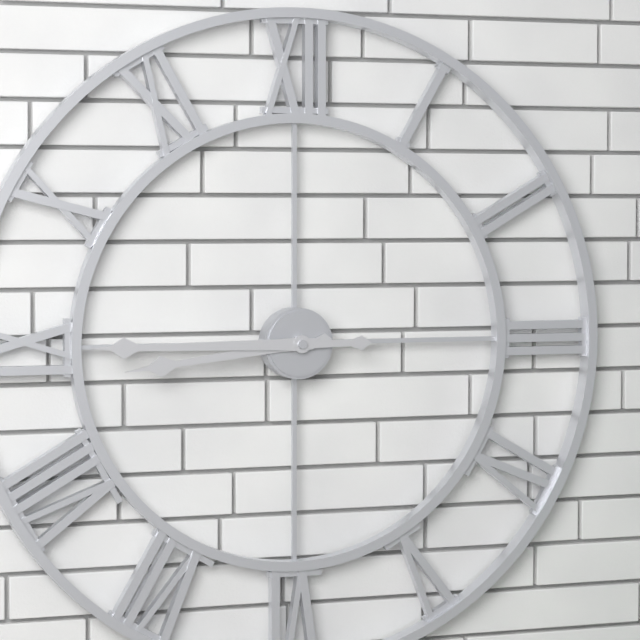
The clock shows 8:45
